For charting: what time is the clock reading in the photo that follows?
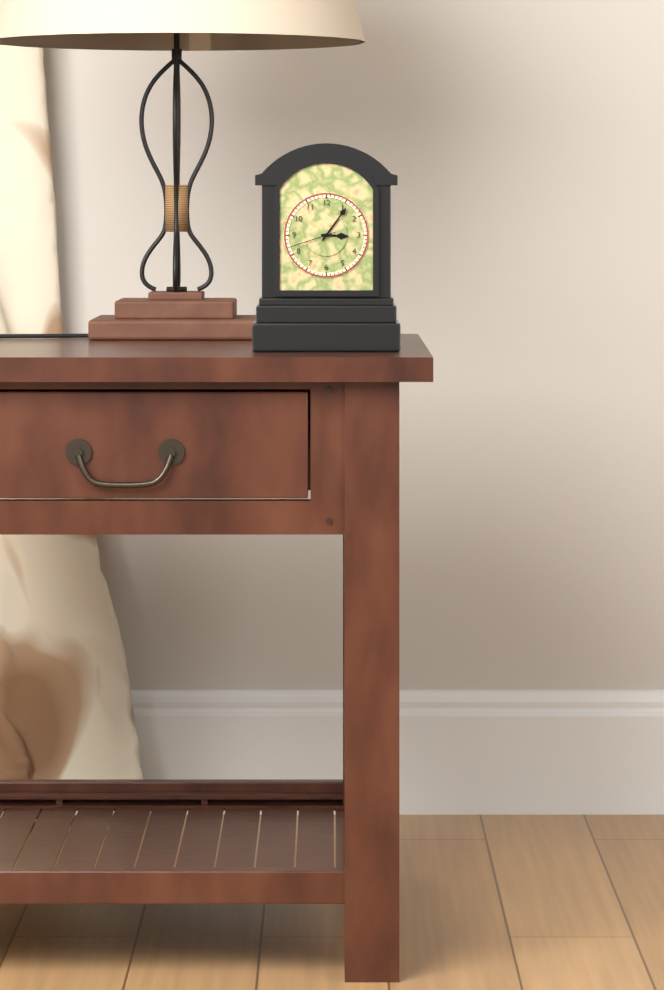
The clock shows 3:06
